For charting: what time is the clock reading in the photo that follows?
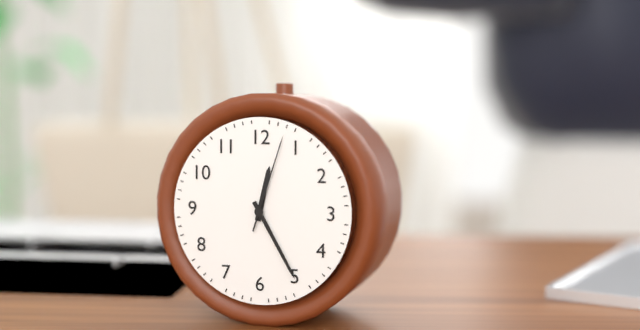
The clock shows 12:25:03
